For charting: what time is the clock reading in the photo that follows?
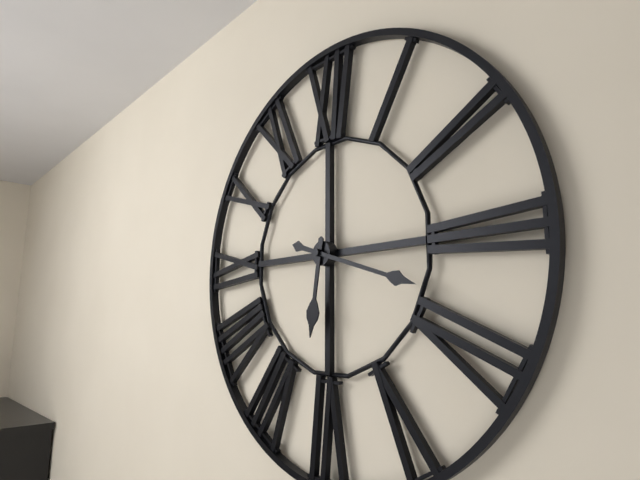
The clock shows 6:18
